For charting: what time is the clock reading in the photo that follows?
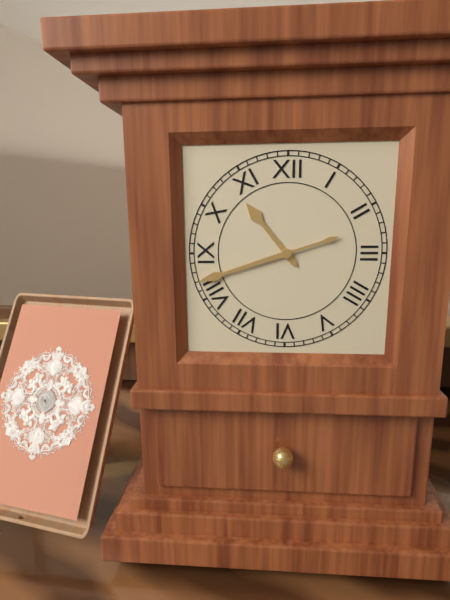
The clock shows 10:42
